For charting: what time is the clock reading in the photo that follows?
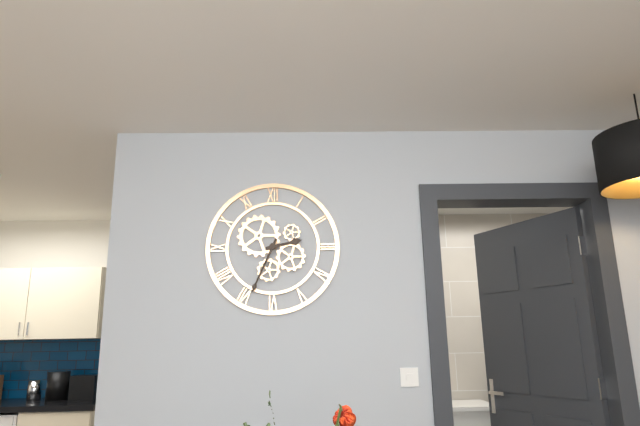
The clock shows 2:34
